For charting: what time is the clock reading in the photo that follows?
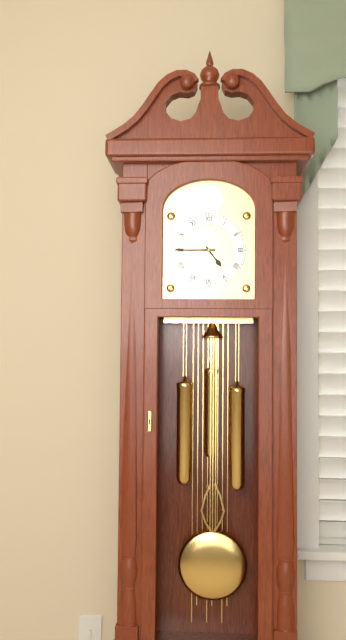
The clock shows 4:45
